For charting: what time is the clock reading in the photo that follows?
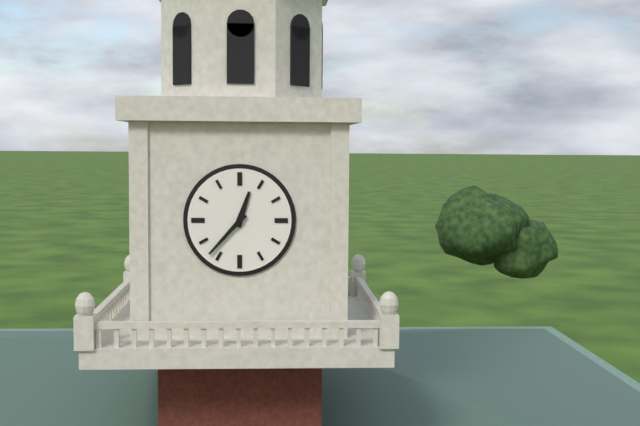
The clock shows 12:37
